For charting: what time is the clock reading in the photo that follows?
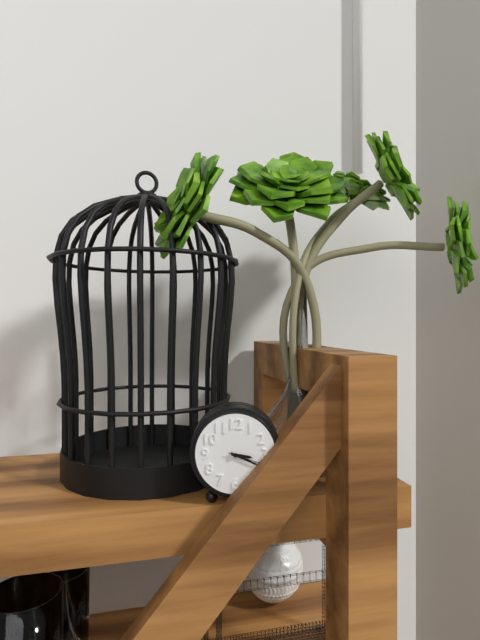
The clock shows 3:19
